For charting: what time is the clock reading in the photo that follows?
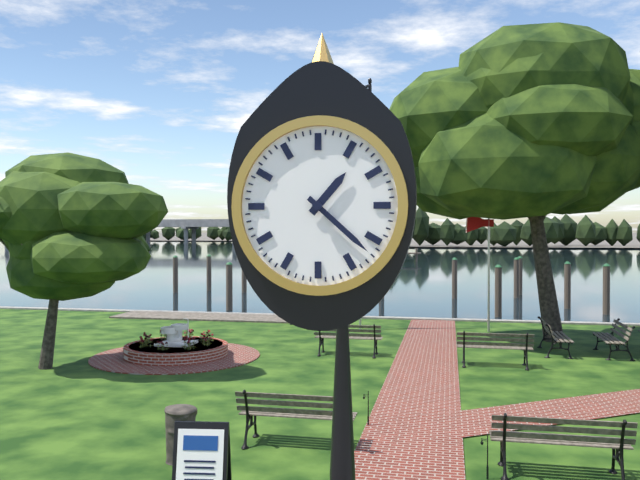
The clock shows 1:22
